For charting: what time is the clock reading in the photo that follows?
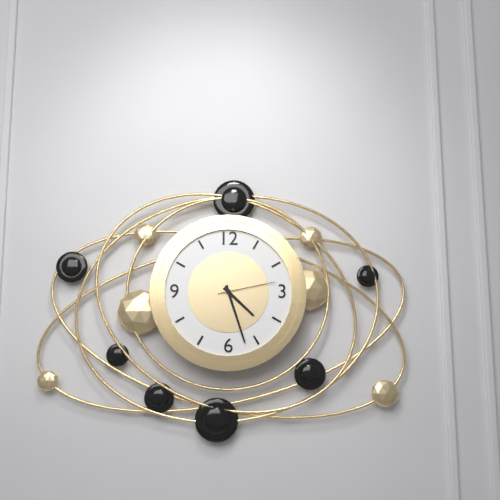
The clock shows 4:27:13
